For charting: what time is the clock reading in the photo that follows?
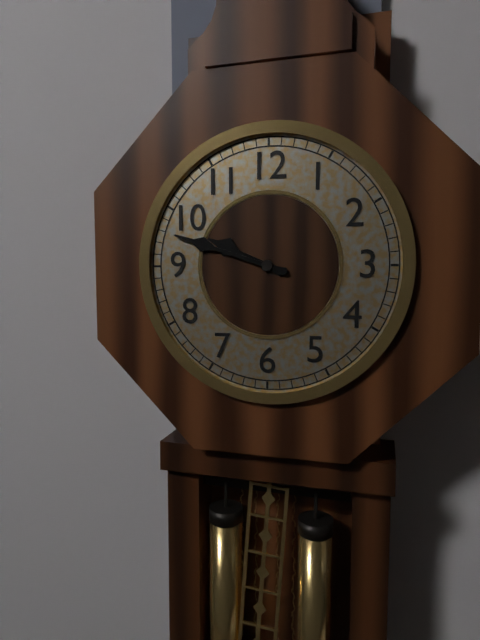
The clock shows 9:48
